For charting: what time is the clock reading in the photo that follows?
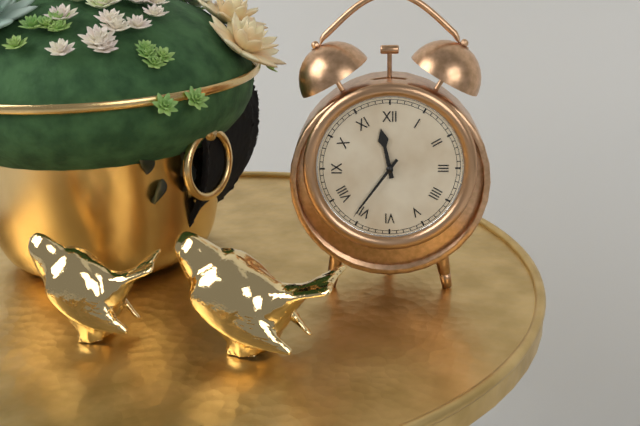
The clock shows 11:36
